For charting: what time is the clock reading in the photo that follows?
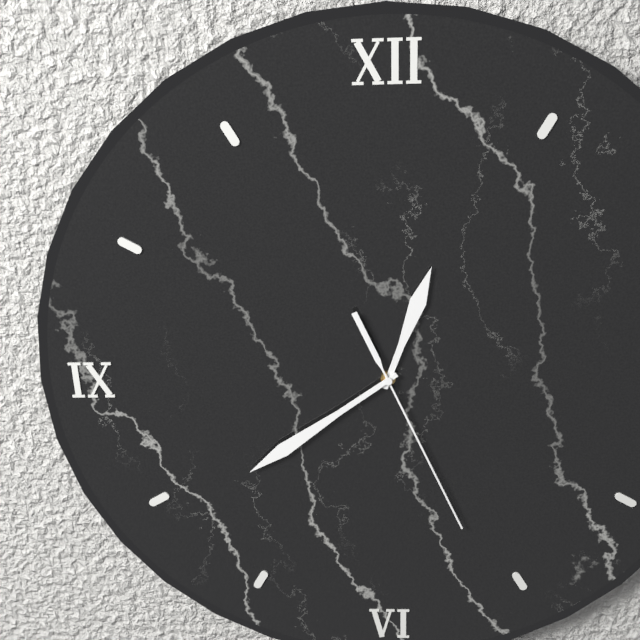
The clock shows 12:39:26
